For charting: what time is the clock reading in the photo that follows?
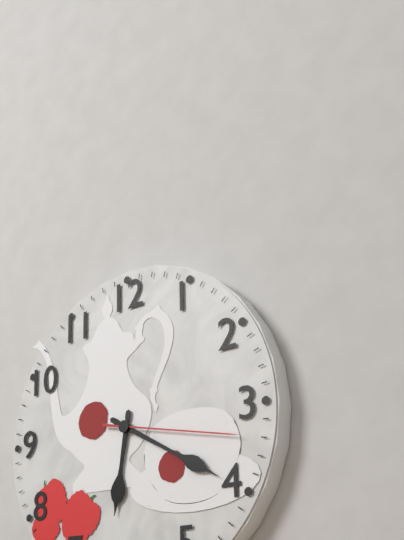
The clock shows 6:20:17
